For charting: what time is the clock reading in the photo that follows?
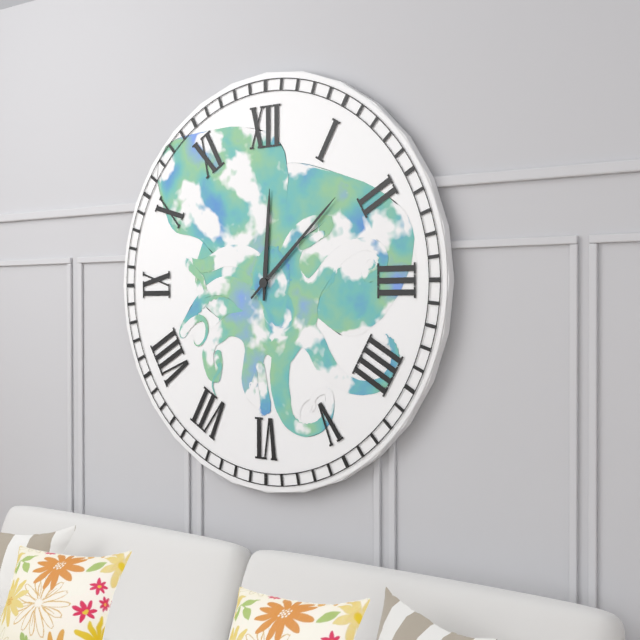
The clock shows 12:08
